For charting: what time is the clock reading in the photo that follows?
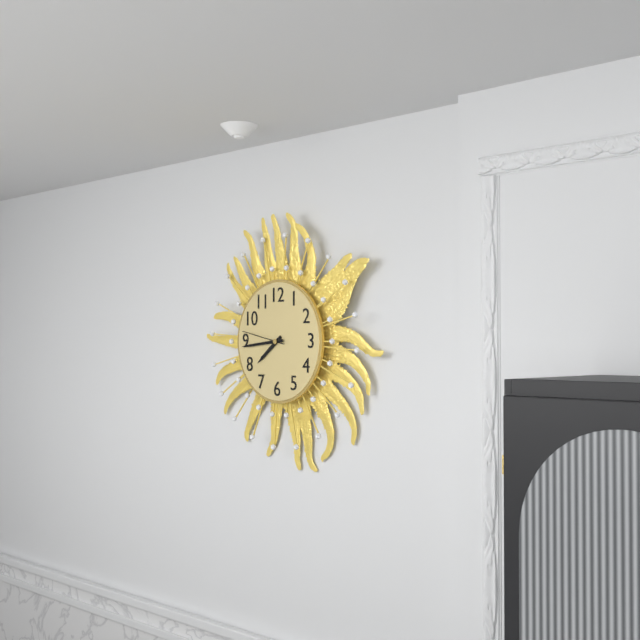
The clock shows 7:44
